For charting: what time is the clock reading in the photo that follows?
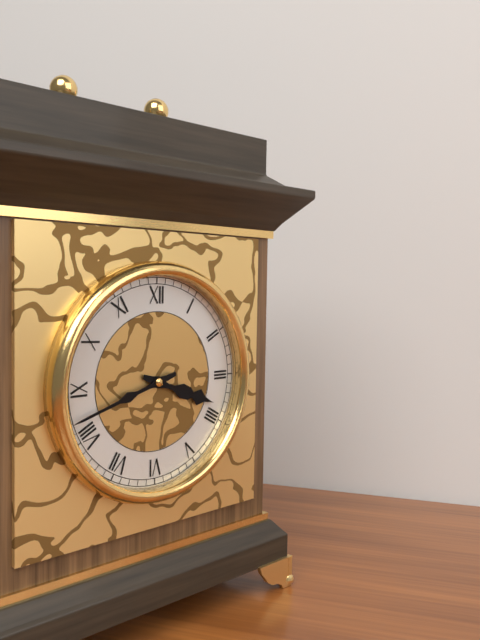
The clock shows 3:42
